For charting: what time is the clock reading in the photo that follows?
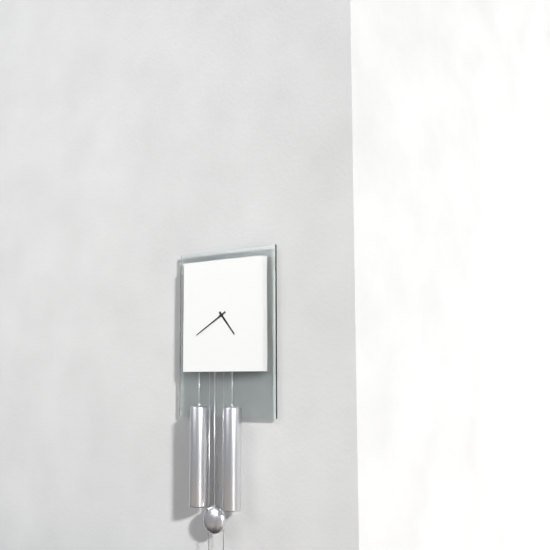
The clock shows 4:40
